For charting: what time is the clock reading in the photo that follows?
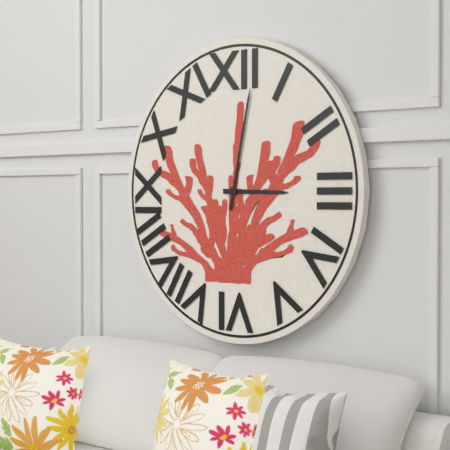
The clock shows 3:02
